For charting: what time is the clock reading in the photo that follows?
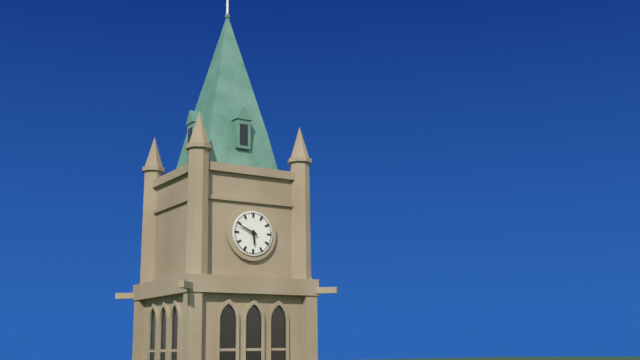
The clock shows 5:49
